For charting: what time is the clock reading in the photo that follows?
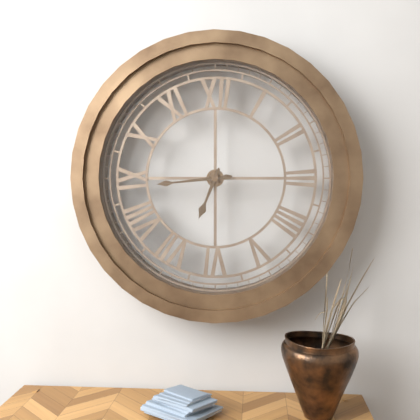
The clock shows 6:44
